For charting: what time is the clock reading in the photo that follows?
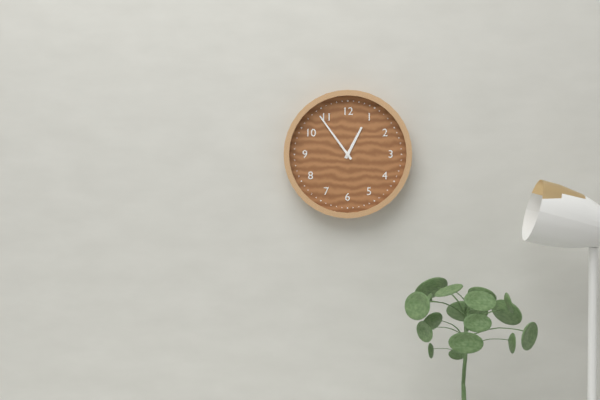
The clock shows 12:54
